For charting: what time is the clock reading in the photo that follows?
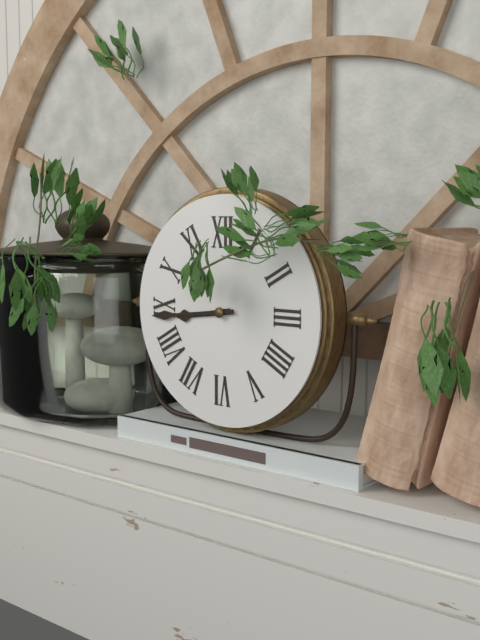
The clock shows 8:44
